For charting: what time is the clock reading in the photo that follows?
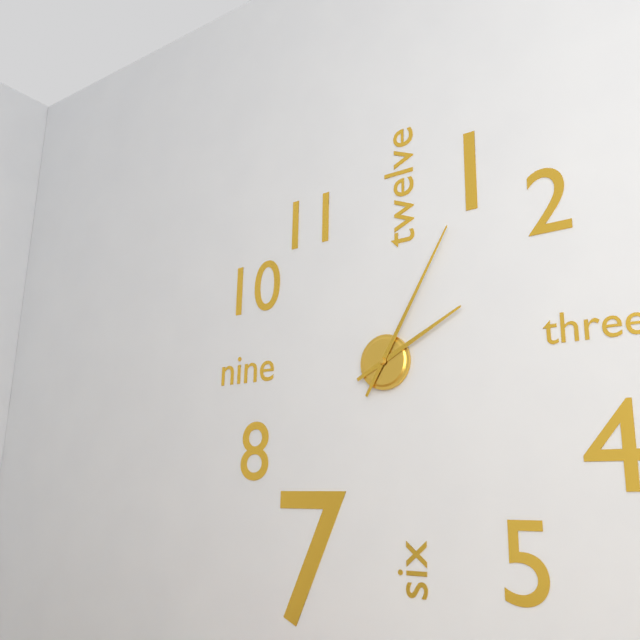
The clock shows 2:05
